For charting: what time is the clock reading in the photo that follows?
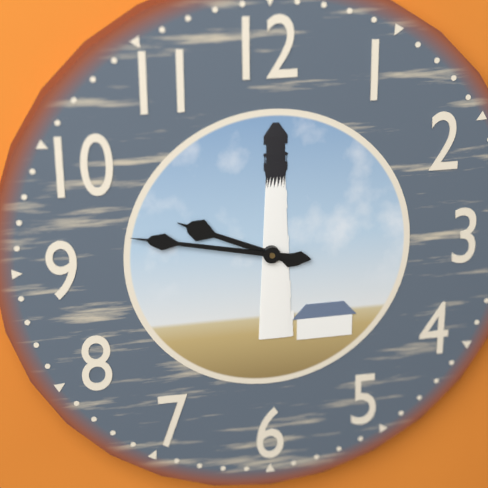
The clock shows 9:47
